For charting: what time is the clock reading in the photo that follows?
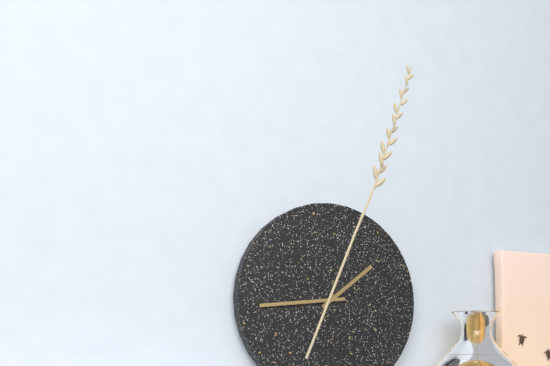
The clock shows 1:44
